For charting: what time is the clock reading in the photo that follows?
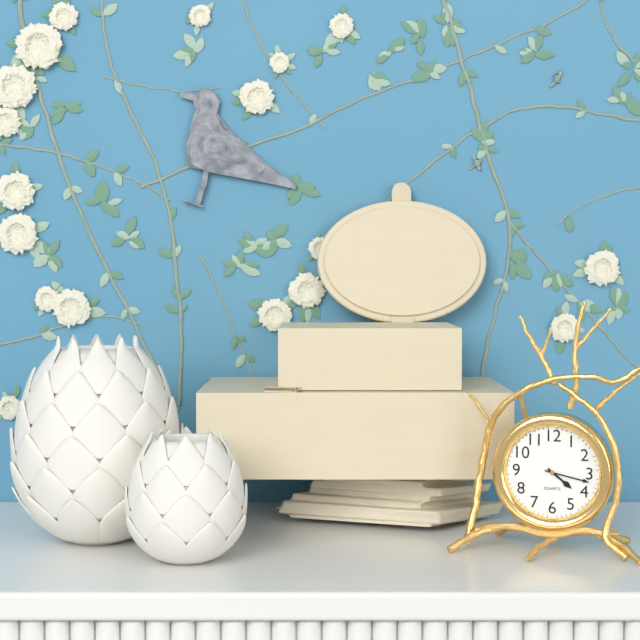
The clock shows 4:17
